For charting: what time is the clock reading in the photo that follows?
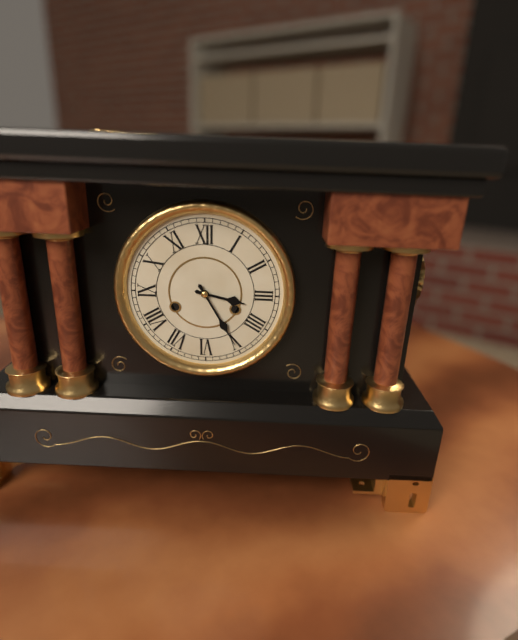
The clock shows 3:25
